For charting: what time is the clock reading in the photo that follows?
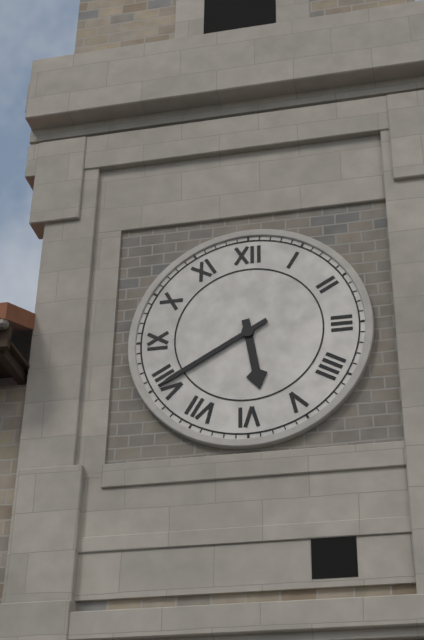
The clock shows 5:40
